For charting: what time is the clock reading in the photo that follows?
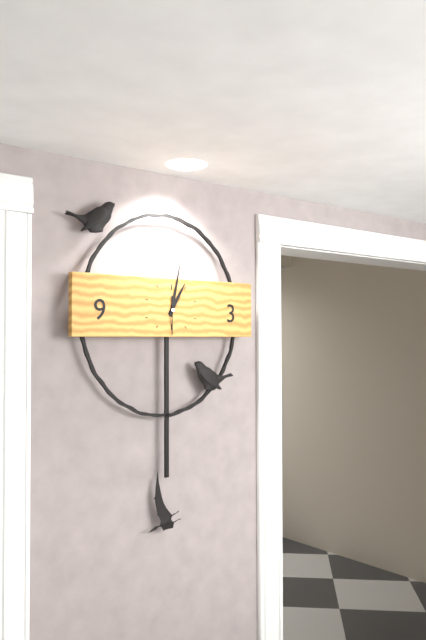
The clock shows 1:02
